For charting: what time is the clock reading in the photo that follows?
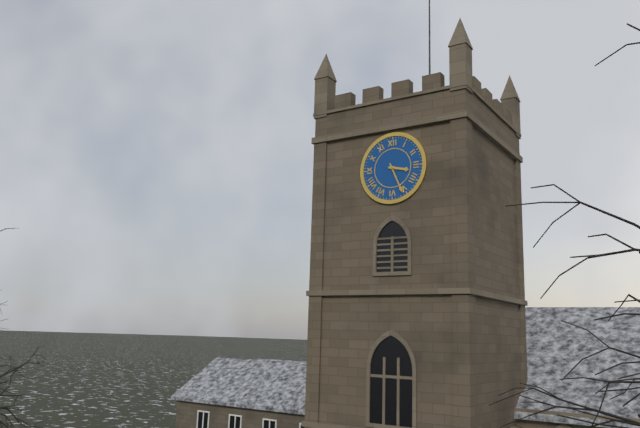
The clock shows 3:26
